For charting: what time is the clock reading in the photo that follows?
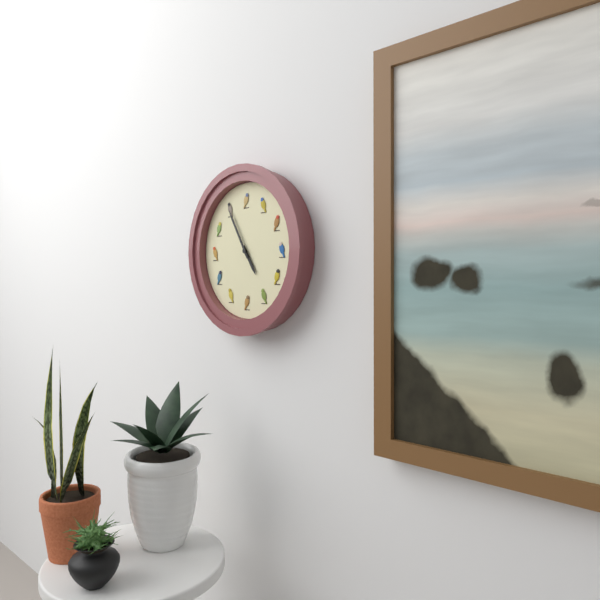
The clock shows 4:55
